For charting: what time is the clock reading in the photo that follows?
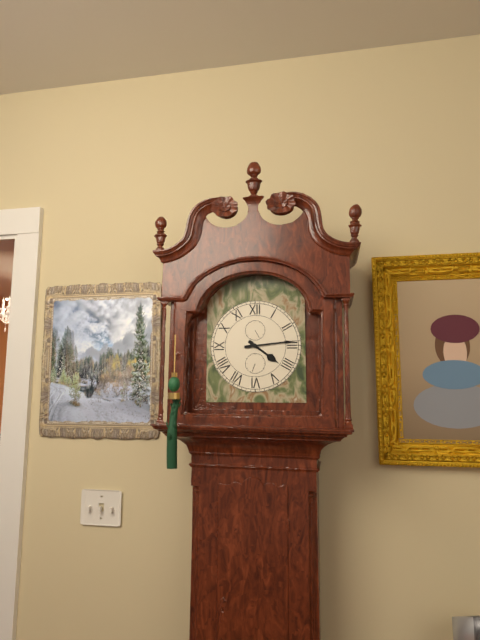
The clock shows 4:14
